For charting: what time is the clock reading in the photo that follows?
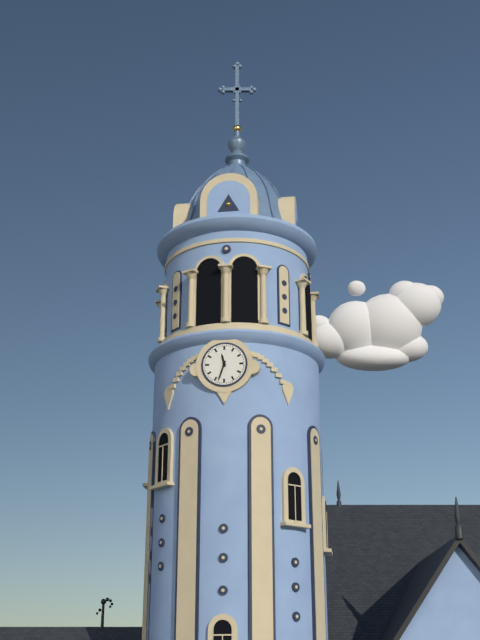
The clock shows 11:33
